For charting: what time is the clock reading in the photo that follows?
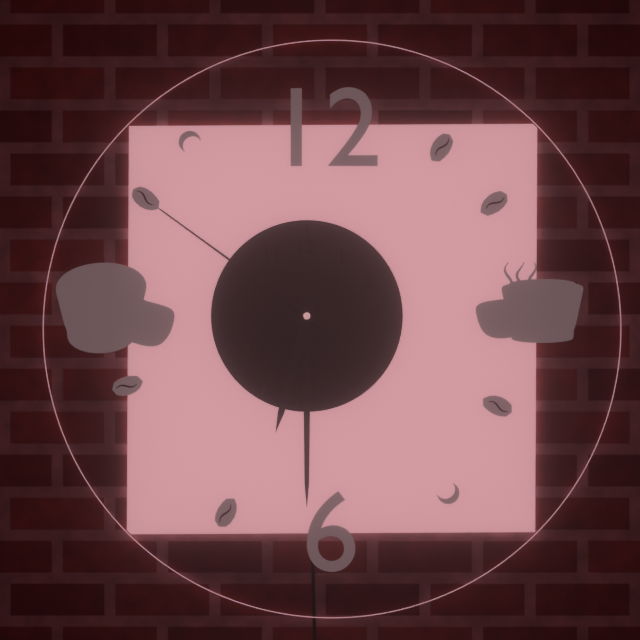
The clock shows 6:30:51
